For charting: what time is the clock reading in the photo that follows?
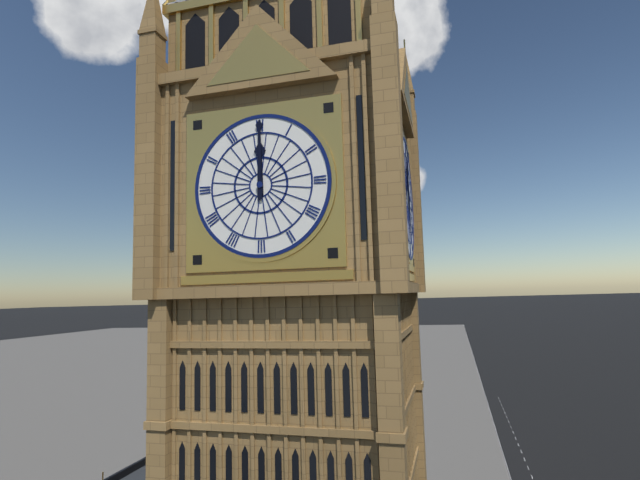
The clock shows 12:00
